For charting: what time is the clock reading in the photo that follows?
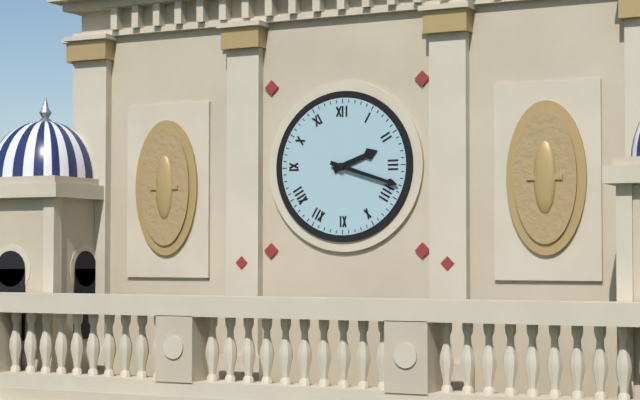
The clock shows 2:18
